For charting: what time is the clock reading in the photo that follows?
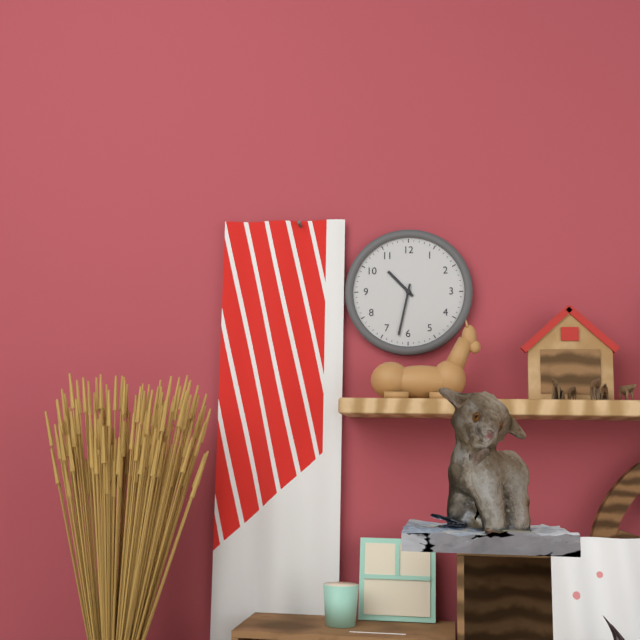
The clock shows 10:32
